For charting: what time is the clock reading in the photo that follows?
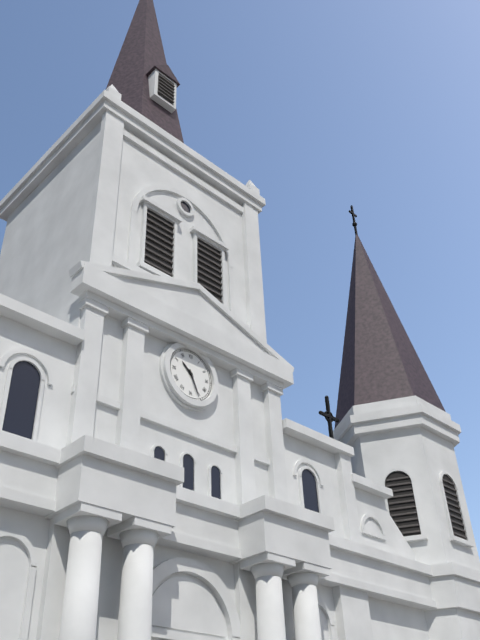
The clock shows 10:26
